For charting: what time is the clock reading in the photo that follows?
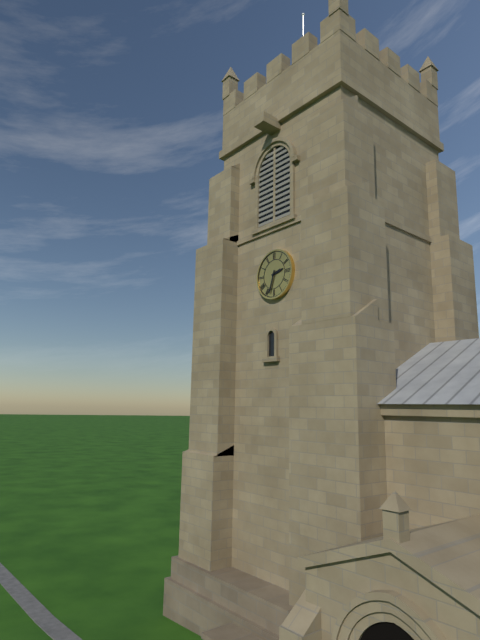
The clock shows 2:33
